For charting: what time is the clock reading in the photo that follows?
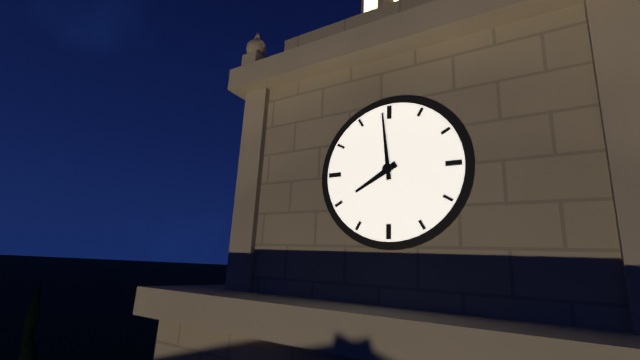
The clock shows 7:59
